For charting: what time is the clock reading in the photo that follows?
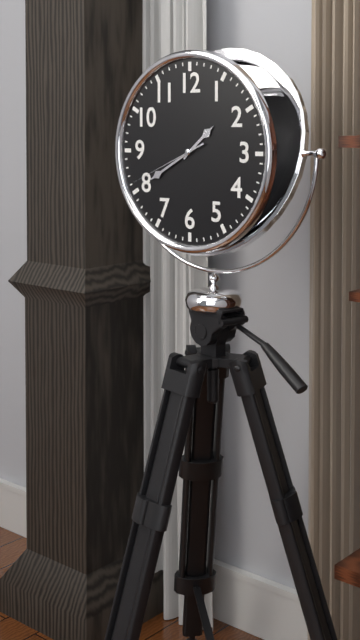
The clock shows 1:40:41
